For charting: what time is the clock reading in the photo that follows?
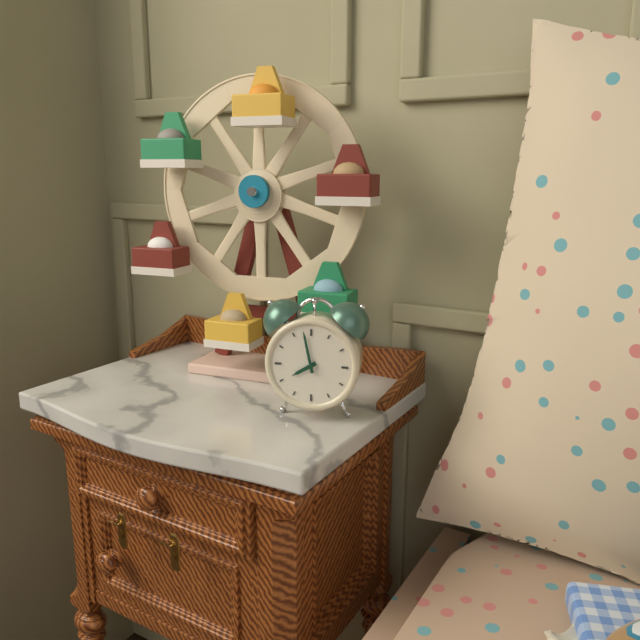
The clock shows 7:58
